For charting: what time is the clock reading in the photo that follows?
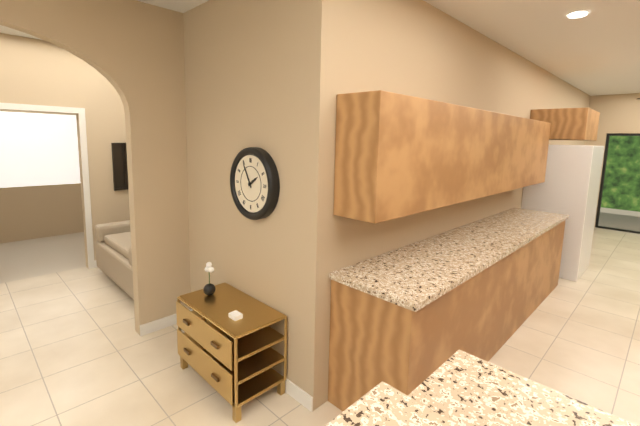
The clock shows 1:55
